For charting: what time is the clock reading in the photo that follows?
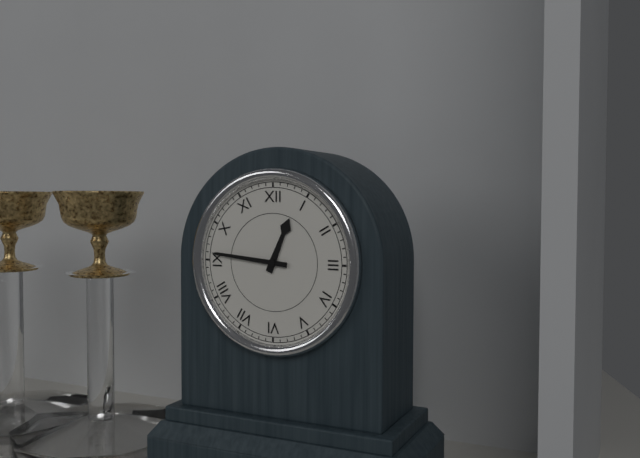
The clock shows 12:46
